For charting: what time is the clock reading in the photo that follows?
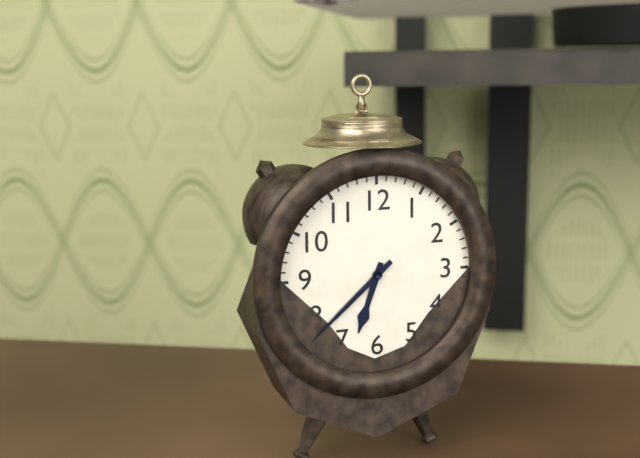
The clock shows 6:38
